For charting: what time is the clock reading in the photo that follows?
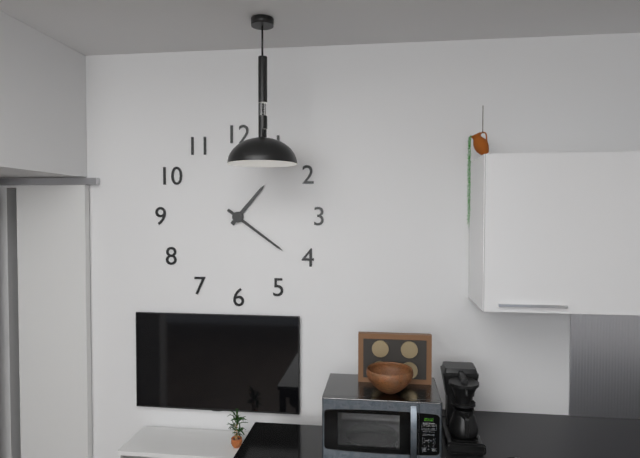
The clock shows 1:21
